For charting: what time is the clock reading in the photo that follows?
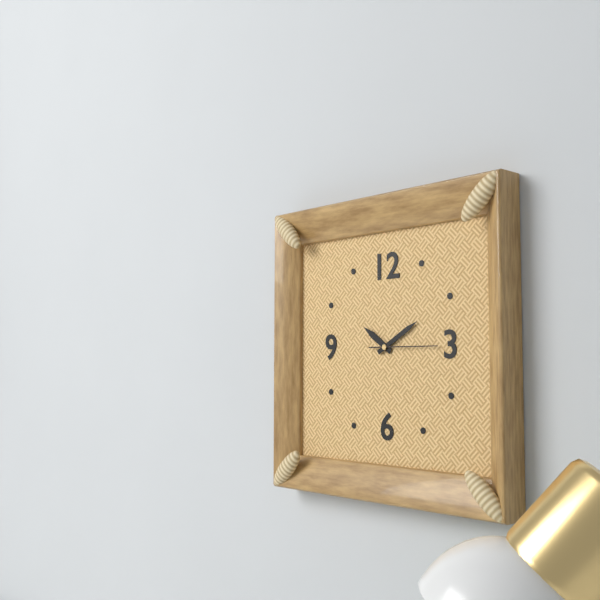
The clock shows 10:10:15
